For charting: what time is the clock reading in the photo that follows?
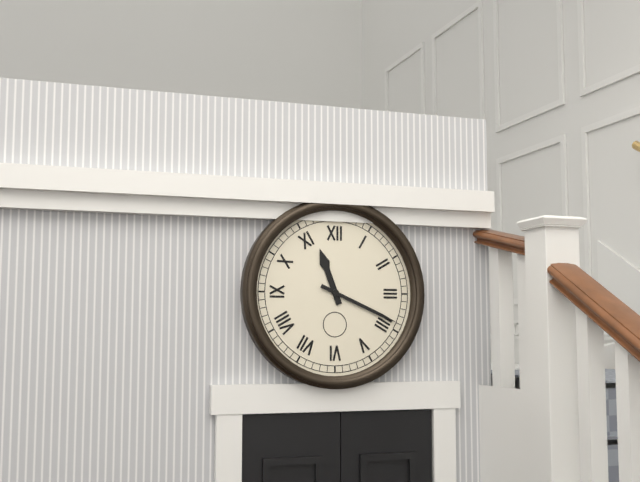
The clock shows 11:19
